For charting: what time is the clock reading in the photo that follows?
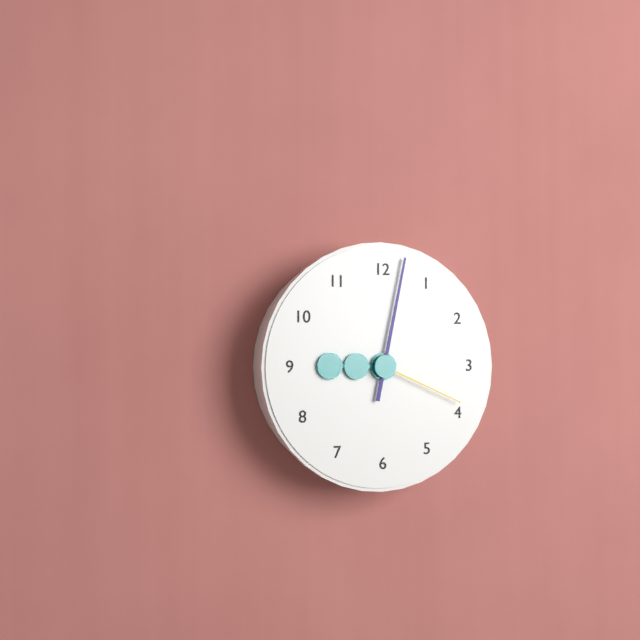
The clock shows 9:02:19
